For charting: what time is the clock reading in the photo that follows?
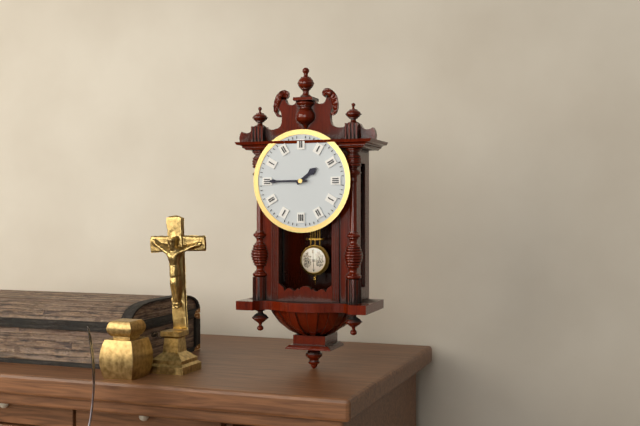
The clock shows 1:45
